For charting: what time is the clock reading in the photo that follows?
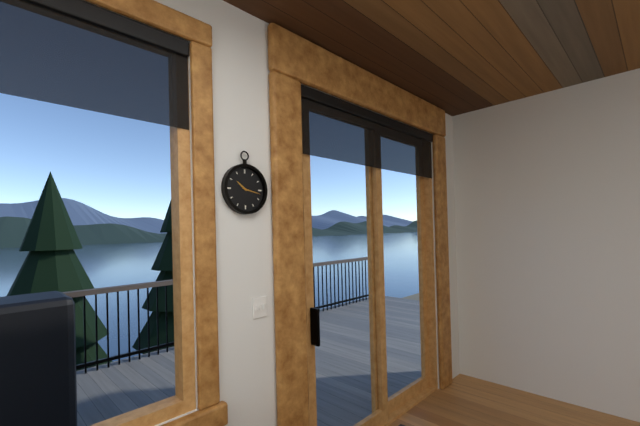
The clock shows 10:17
